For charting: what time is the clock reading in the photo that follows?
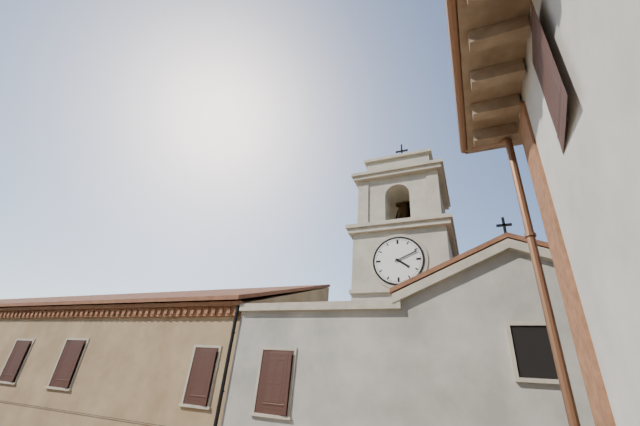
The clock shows 4:11
